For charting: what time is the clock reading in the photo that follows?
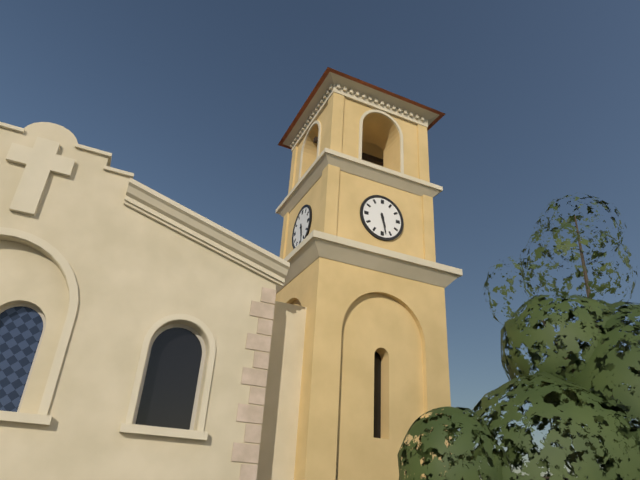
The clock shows 5:28
